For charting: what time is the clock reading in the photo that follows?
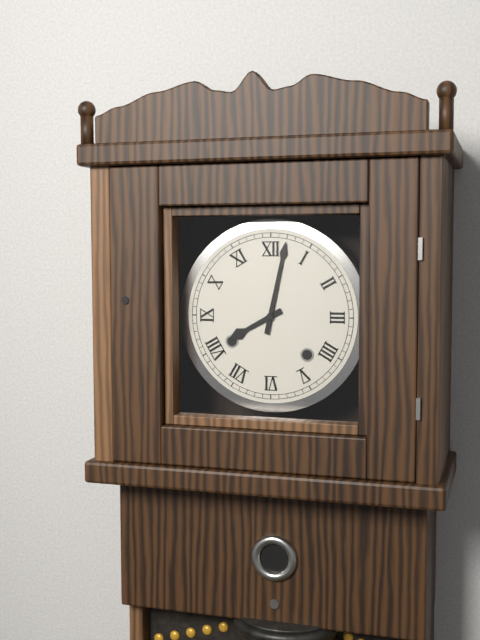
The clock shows 8:02
